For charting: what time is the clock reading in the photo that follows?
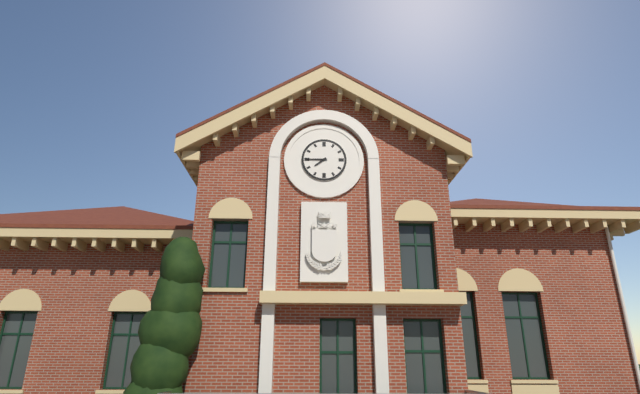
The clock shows 7:45
